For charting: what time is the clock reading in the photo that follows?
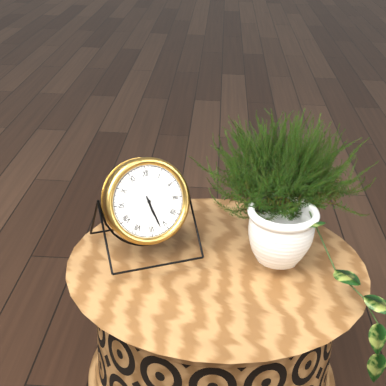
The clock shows 5:27
